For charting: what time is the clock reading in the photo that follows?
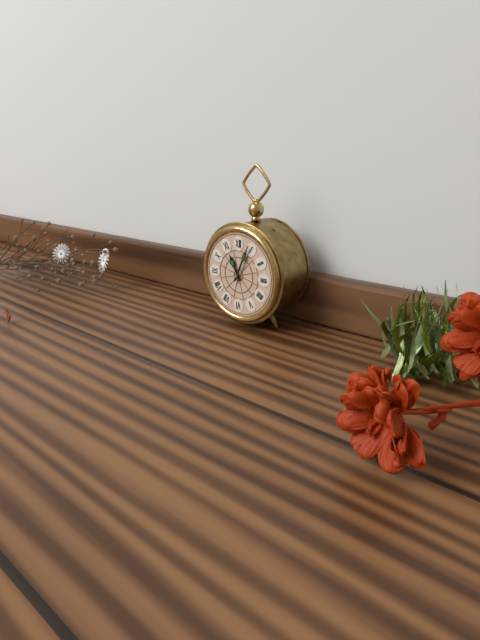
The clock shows 11:04
